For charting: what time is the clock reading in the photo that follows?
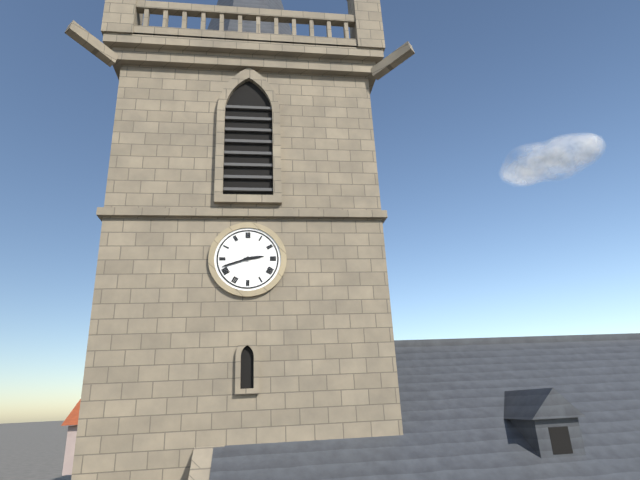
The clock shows 2:42
